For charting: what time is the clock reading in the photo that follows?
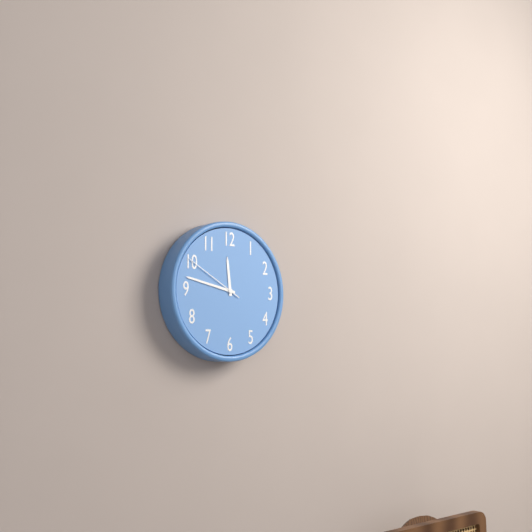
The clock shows 11:47:50
